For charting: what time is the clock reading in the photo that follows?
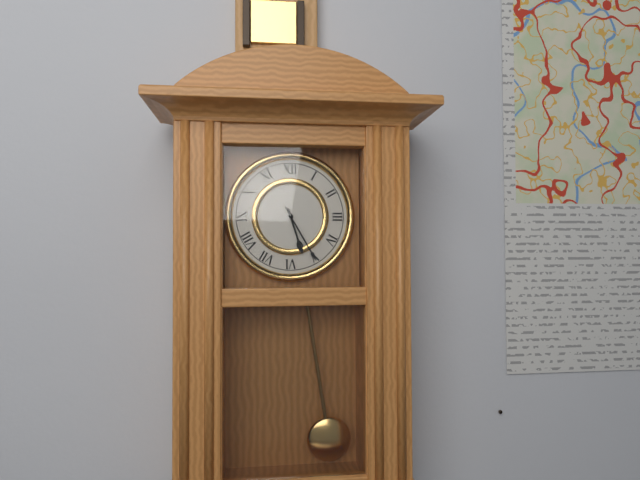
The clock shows 5:25
